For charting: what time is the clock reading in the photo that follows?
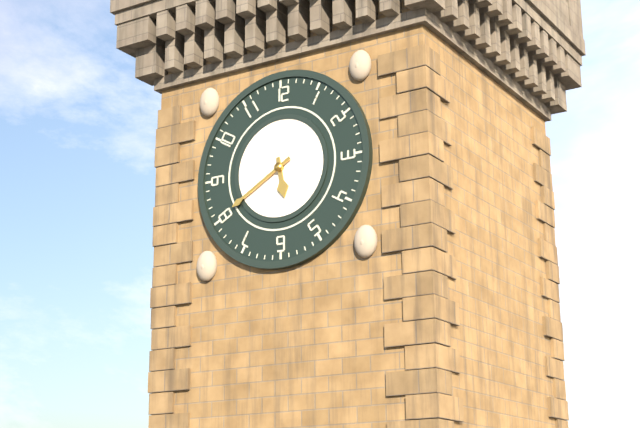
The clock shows 5:40
